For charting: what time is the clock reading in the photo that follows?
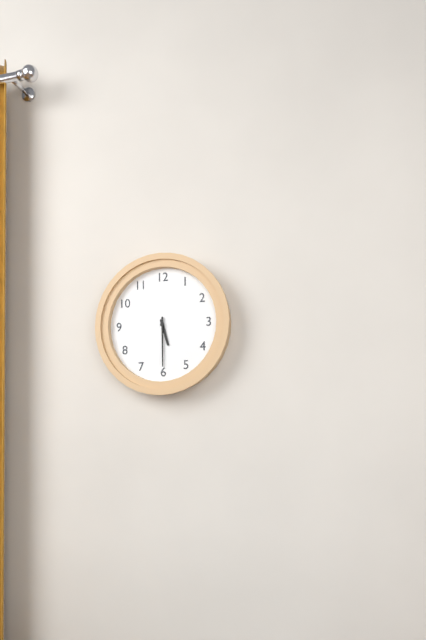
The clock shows 5:30
